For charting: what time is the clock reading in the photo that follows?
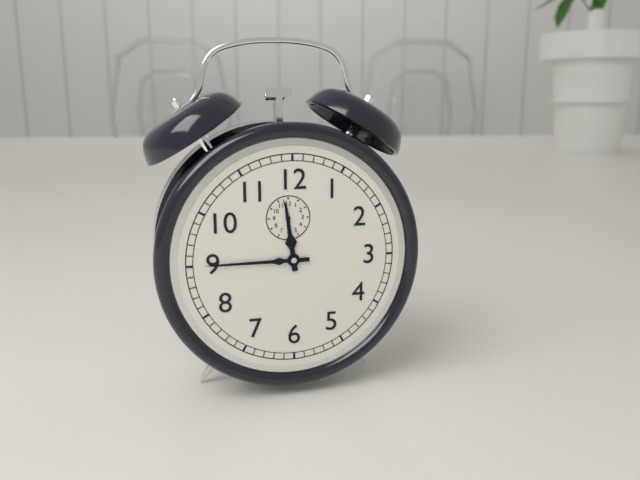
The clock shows 11:45
